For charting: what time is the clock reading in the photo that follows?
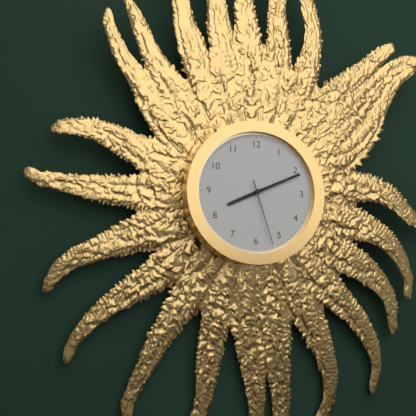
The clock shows 8:11:27
